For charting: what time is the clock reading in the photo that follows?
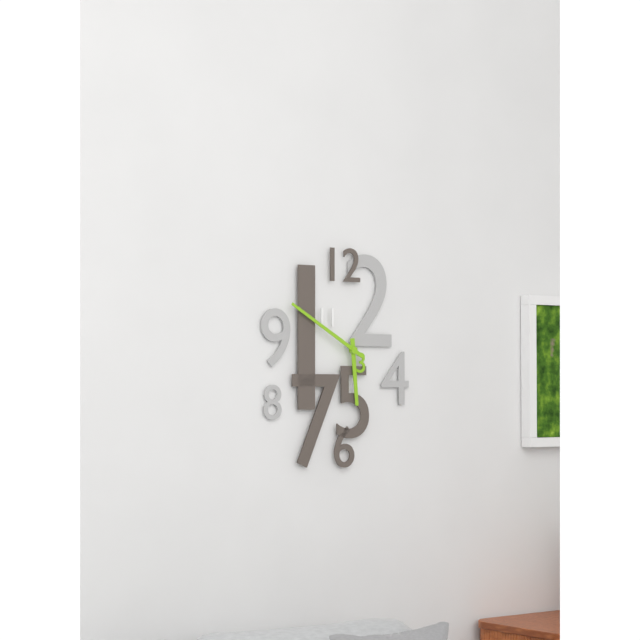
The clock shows 5:50
